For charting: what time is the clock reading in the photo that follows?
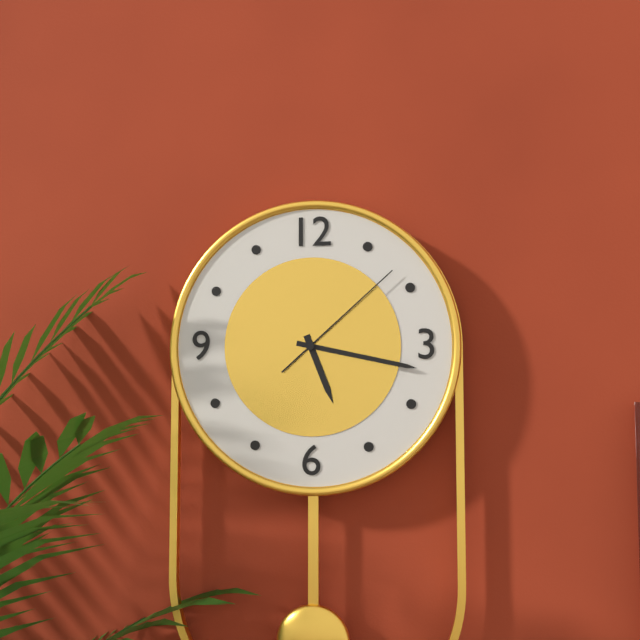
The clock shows 5:17:08
